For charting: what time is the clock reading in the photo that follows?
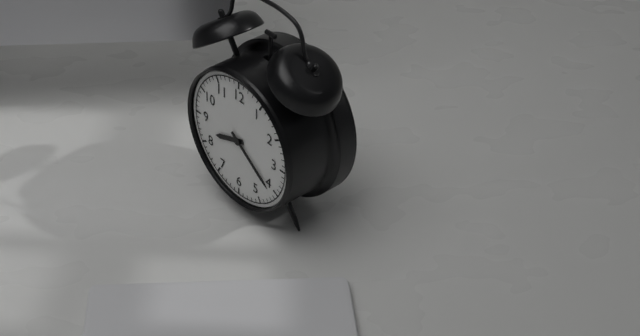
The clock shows 8:21
